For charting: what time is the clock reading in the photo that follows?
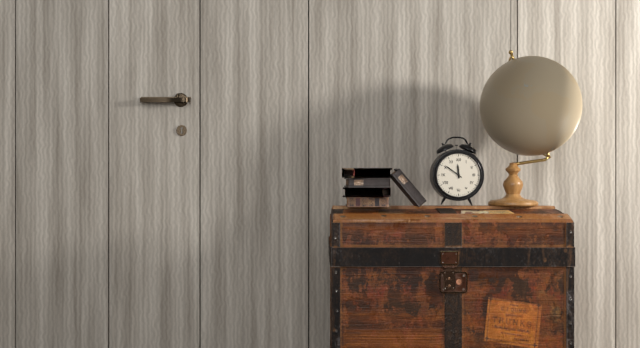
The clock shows 11:51
